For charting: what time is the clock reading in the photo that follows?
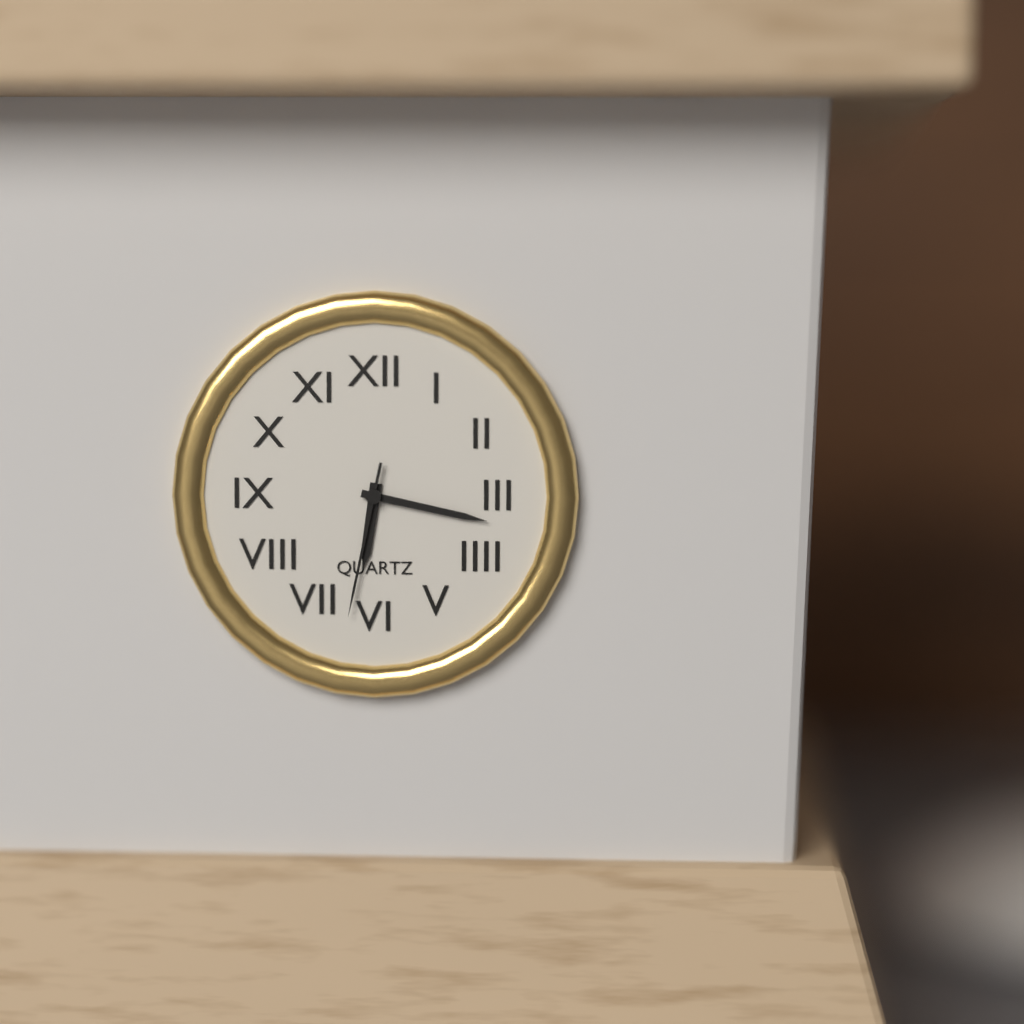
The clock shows 6:17:32
